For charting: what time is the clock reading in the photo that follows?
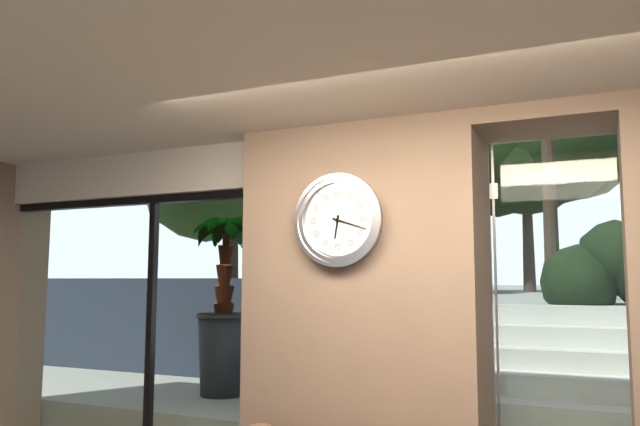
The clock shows 6:18
